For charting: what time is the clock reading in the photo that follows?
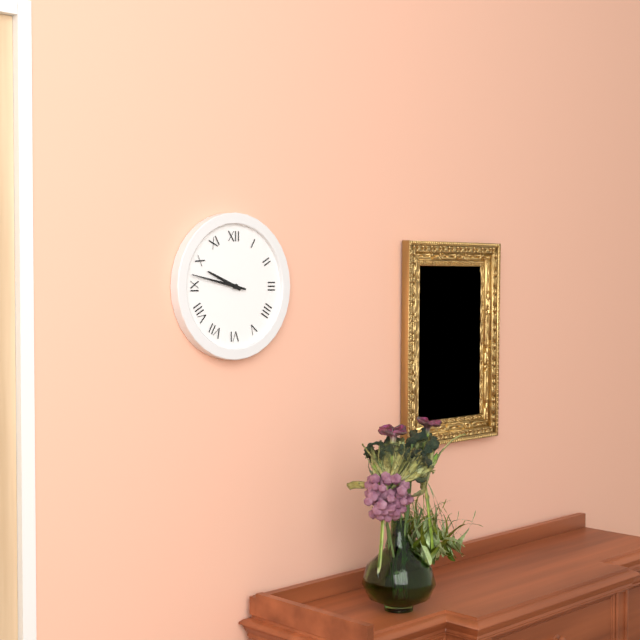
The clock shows 9:47
